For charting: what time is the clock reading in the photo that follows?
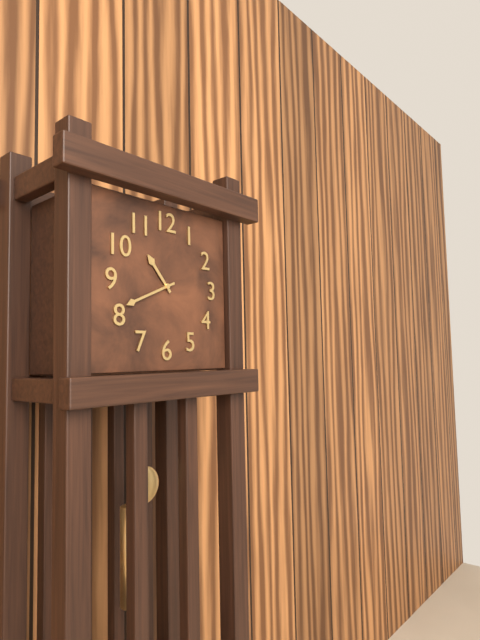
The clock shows 10:41
